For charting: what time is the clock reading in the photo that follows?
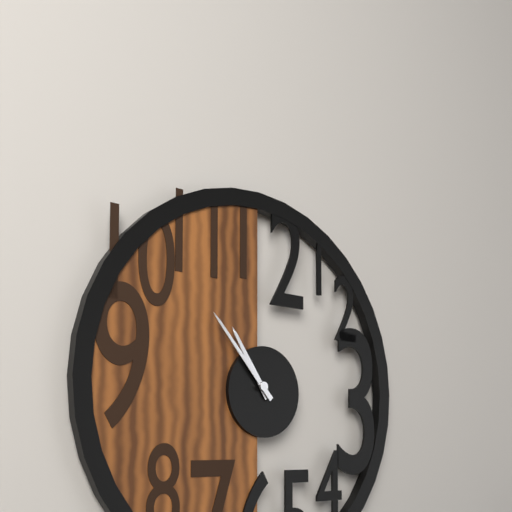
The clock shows 10:53
